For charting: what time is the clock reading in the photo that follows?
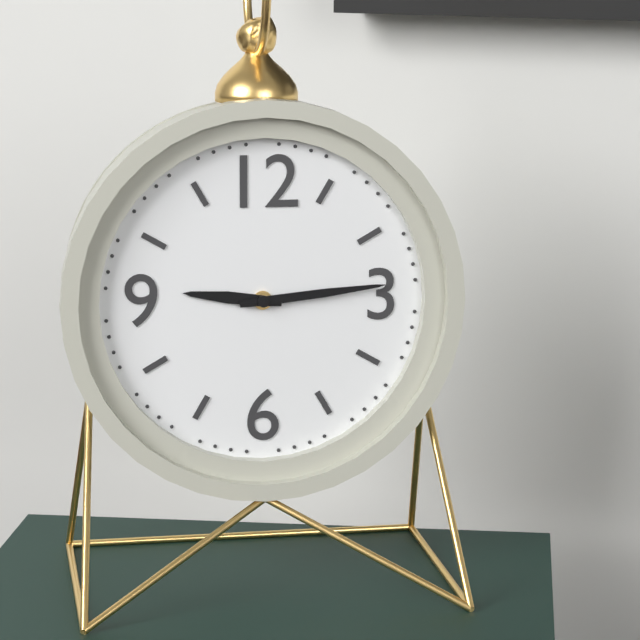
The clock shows 9:14
